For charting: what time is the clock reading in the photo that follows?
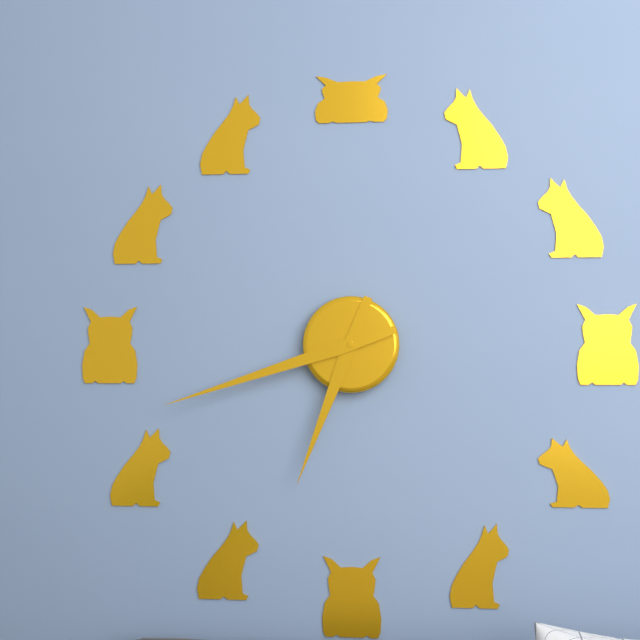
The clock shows 6:42
